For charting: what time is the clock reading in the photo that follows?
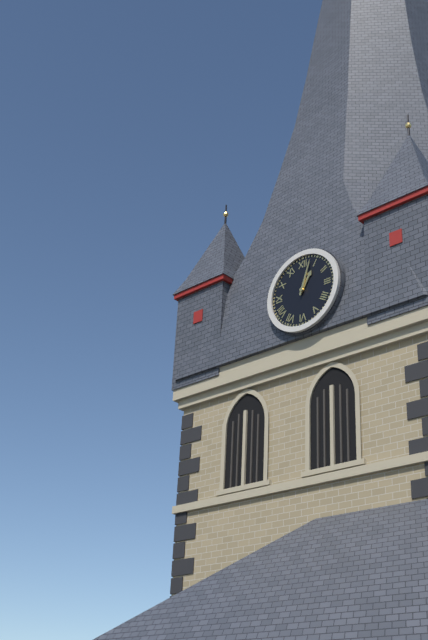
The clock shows 1:03
